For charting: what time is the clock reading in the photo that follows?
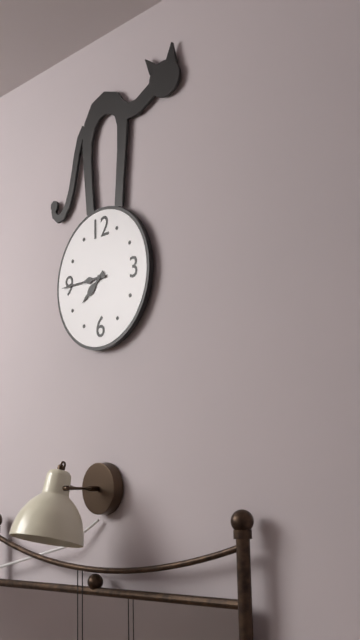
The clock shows 7:45
